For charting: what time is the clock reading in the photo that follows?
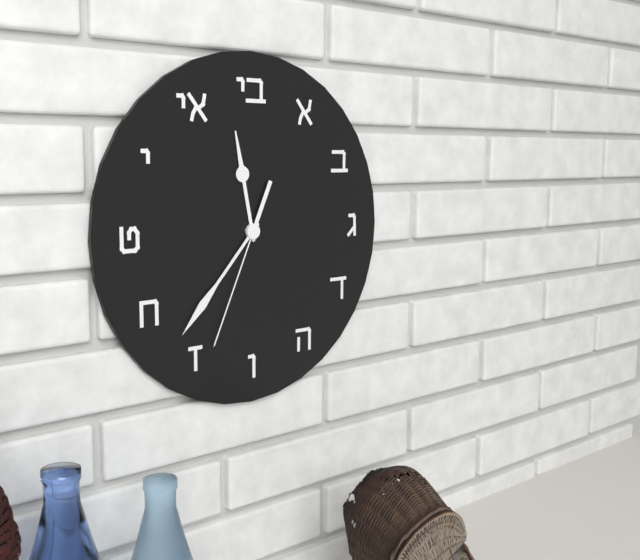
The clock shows 11:37:34
